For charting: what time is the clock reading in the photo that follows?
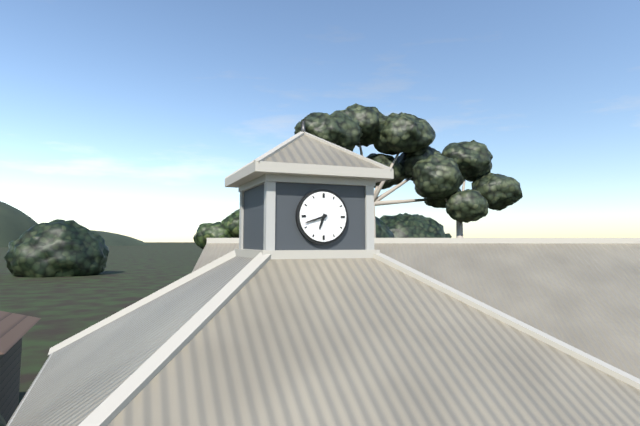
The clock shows 6:42
